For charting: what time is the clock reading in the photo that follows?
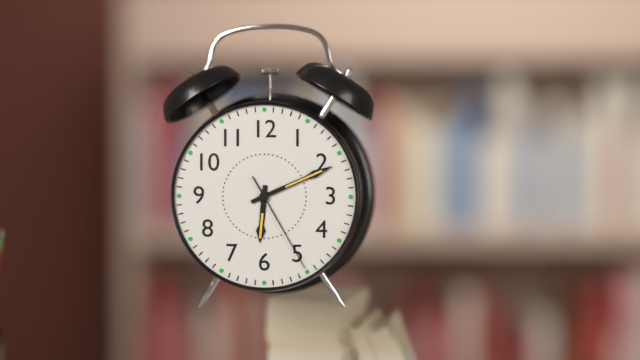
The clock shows 6:11:25
